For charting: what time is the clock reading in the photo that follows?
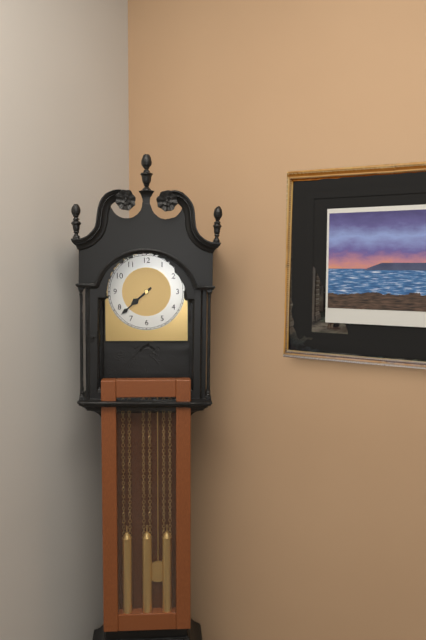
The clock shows 7:38
